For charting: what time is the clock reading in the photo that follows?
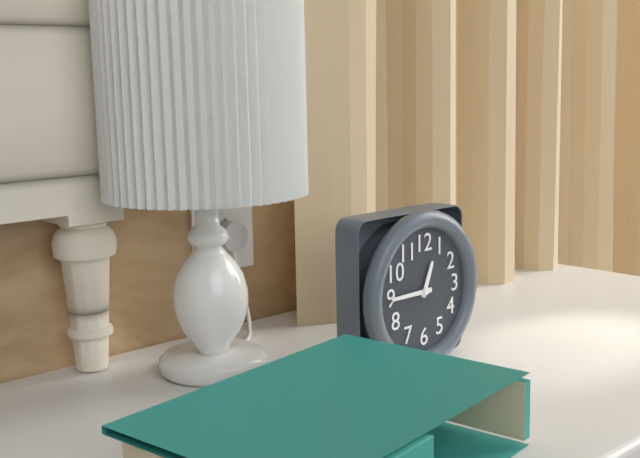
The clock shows 12:45
